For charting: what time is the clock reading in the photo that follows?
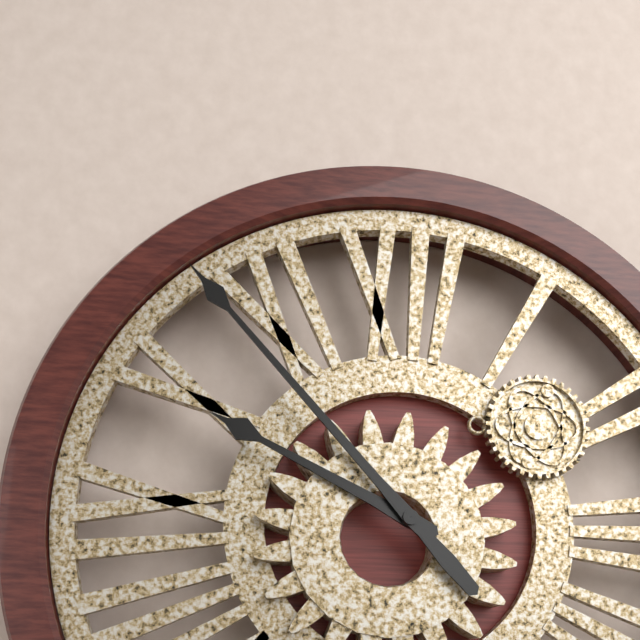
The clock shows 9:53
